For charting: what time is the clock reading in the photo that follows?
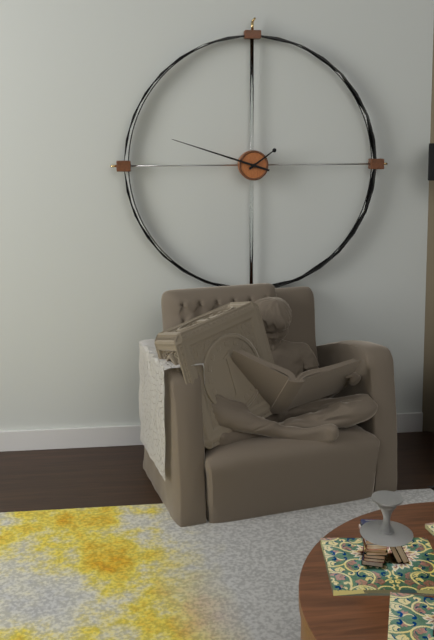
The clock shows 1:48
